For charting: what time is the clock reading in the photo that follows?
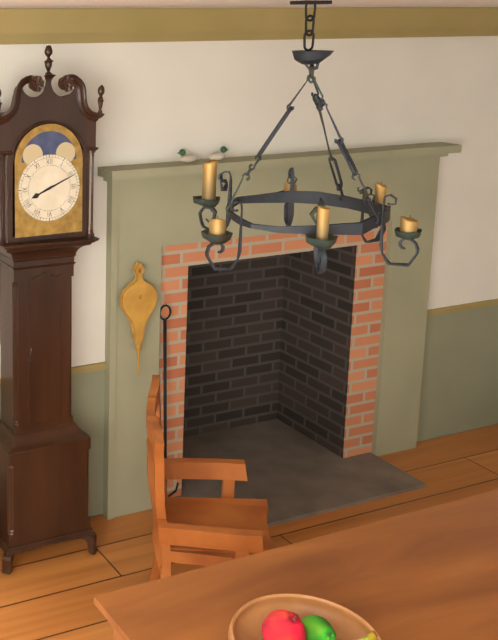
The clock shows 8:11
